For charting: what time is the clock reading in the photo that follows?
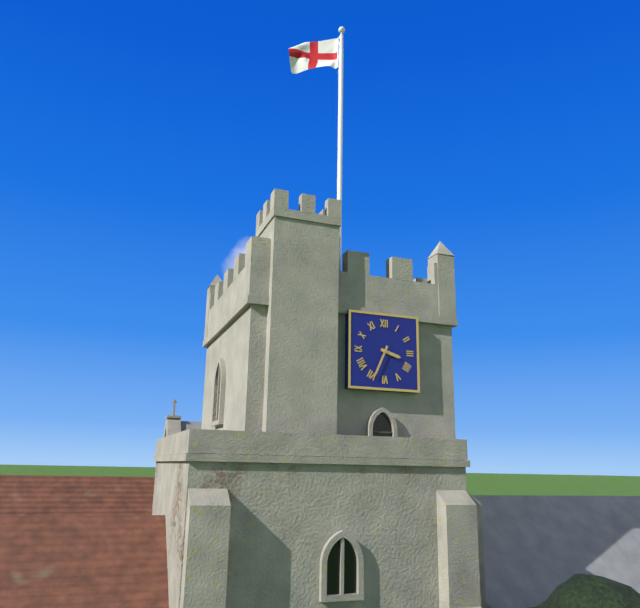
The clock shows 3:34
